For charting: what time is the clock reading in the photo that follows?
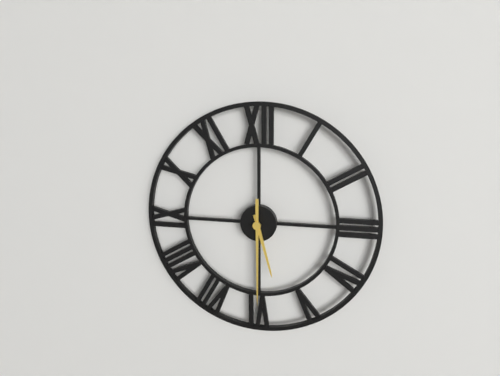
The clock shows 5:30
